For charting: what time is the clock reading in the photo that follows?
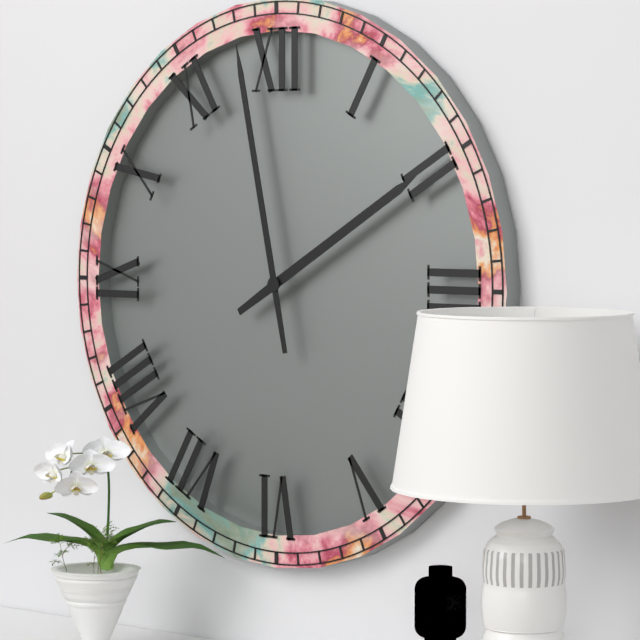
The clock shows 1:58
